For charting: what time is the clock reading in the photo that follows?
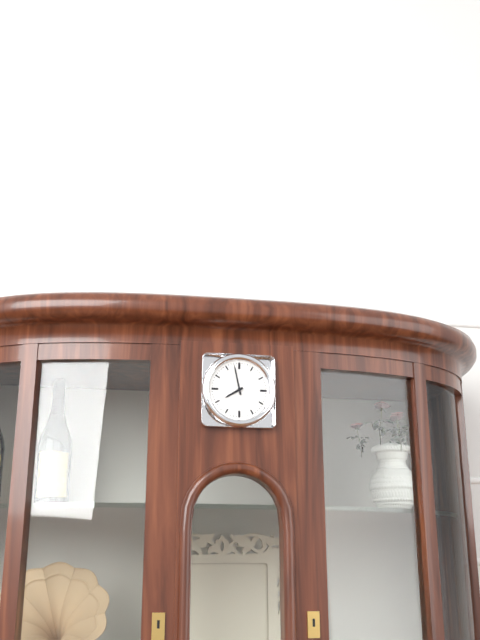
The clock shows 7:58
